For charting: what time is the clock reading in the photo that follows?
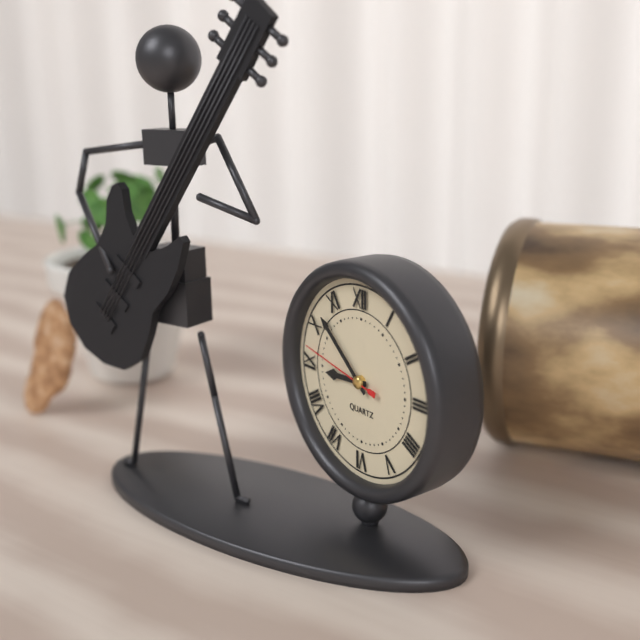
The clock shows 8:52:47
